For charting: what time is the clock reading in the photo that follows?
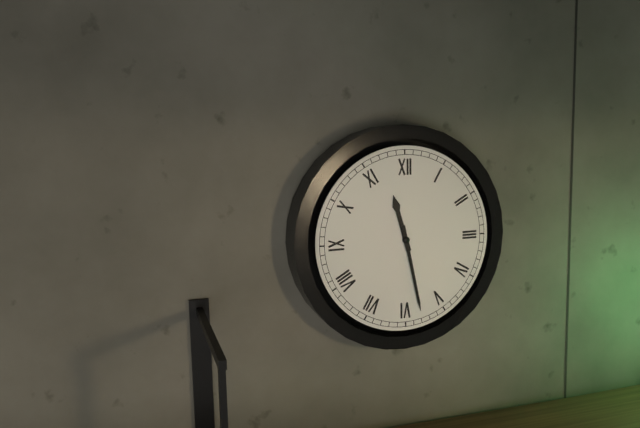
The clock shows 11:28
